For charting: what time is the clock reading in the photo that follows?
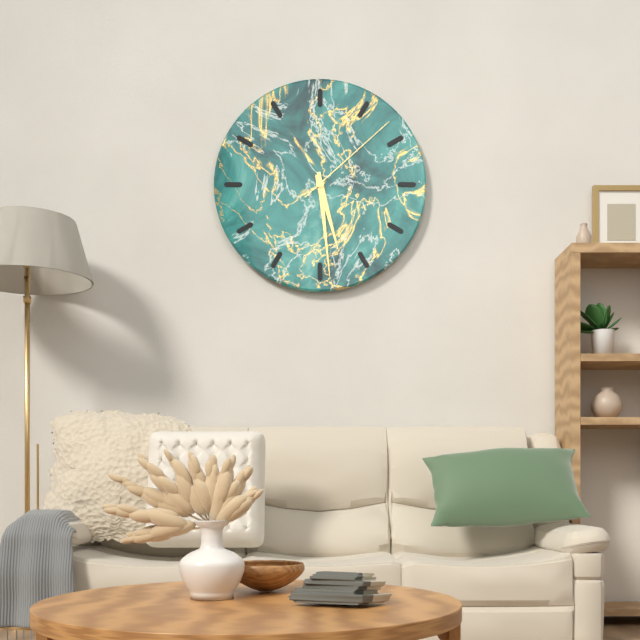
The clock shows 5:29:08
